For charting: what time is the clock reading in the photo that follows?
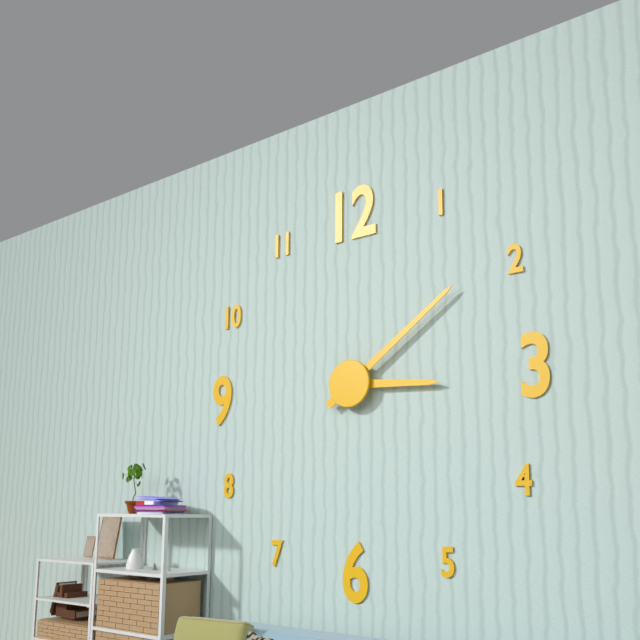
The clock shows 3:09
